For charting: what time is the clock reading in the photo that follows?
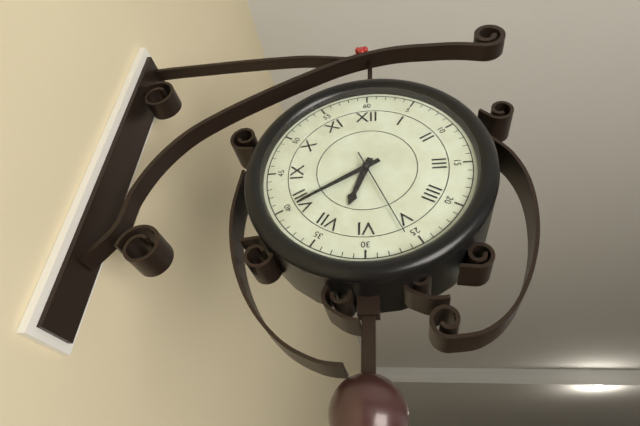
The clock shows 6:40:26
